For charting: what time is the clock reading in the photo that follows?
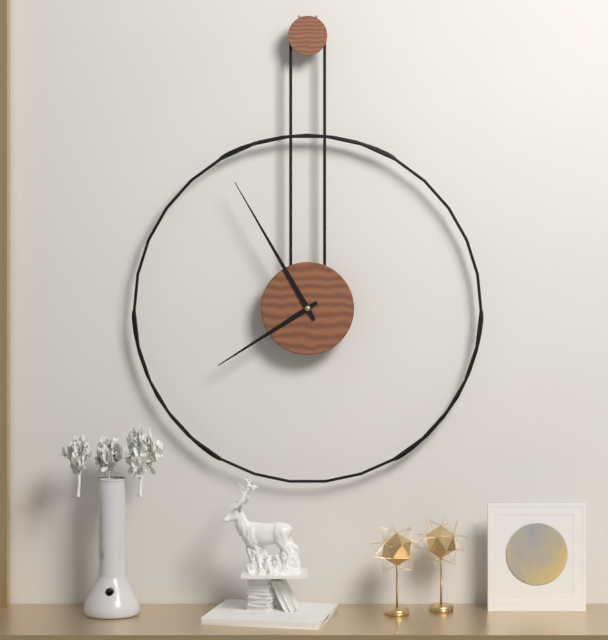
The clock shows 7:55
